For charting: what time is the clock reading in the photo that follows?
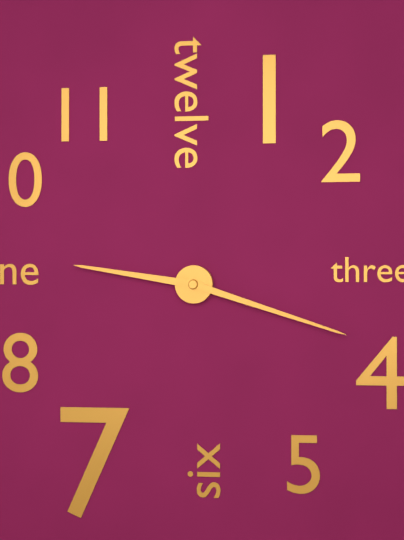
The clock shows 9:18
